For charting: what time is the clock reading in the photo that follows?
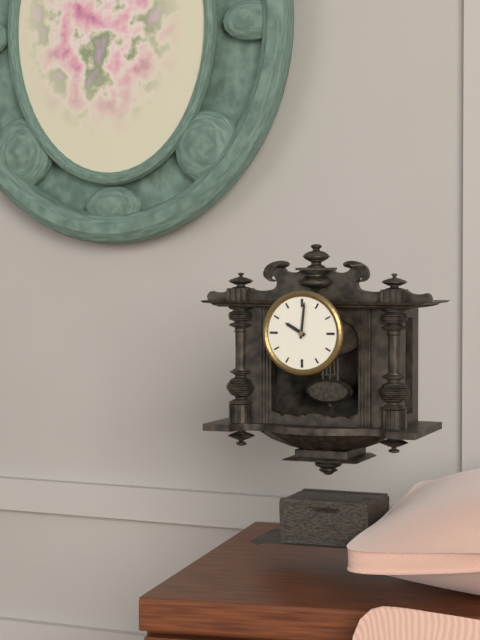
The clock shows 10:01
